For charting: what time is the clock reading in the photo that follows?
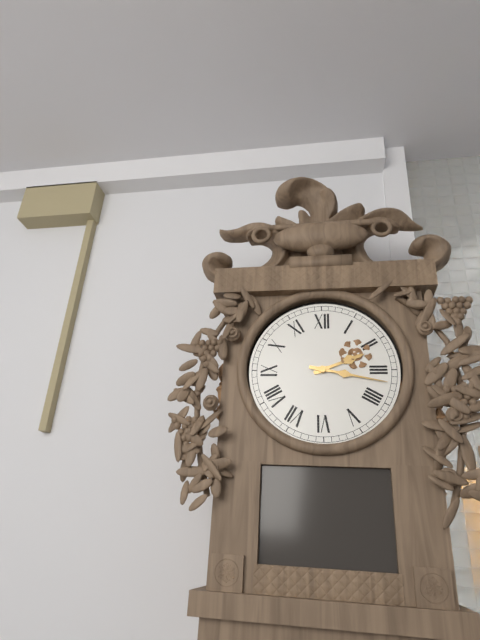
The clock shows 2:17
